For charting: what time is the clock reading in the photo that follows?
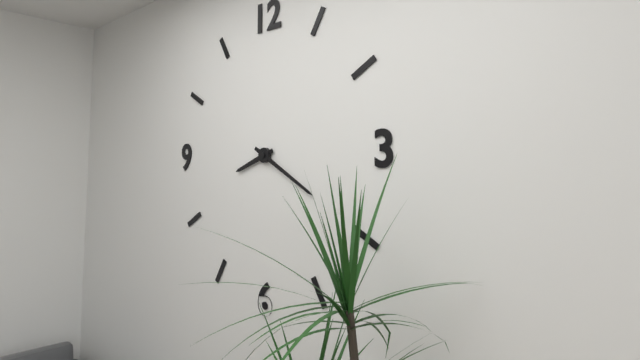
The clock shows 8:20
